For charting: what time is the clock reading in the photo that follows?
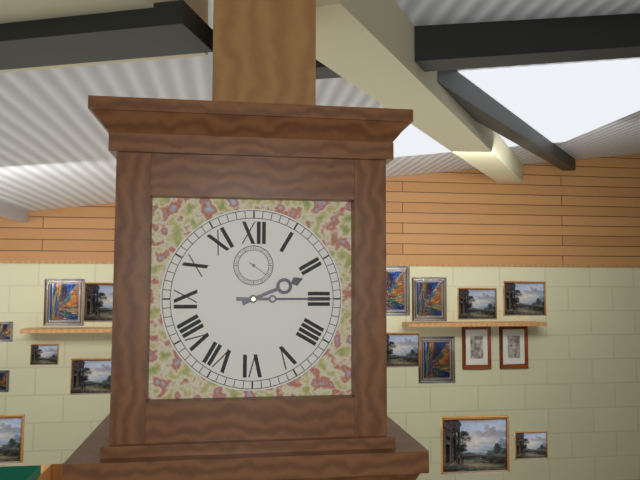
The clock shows 2:15
